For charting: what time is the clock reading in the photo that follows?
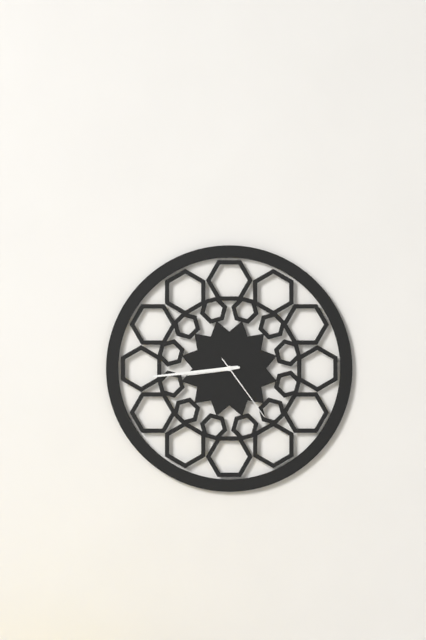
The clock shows 8:44:24
